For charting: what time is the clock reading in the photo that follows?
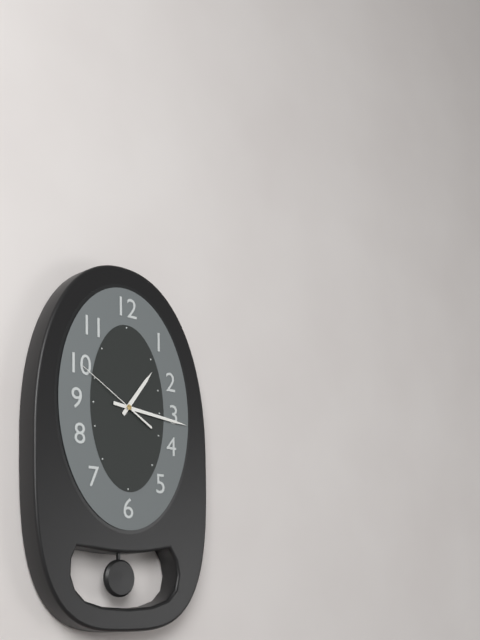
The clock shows 1:16:50
